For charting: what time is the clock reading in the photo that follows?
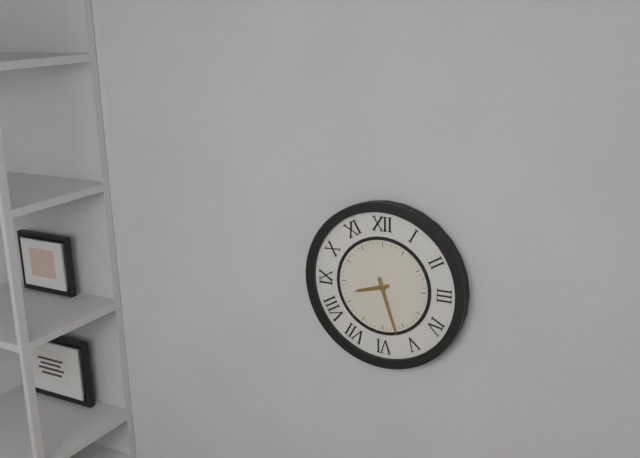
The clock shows 8:27
